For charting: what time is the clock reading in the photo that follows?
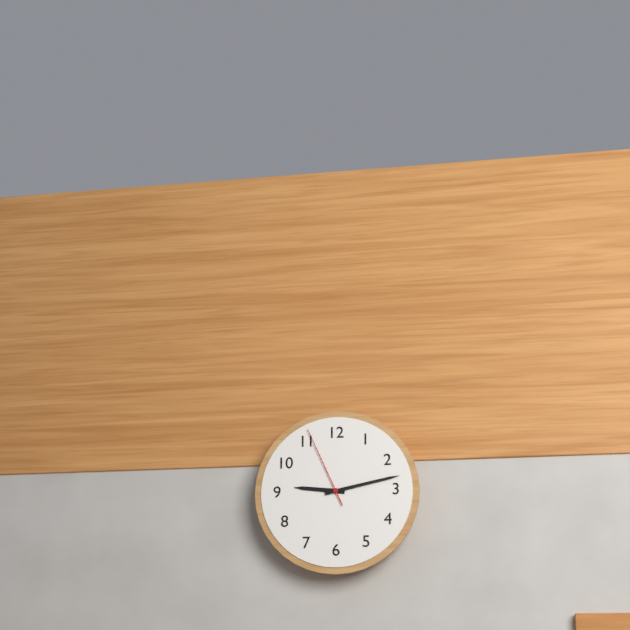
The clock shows 9:13:56
